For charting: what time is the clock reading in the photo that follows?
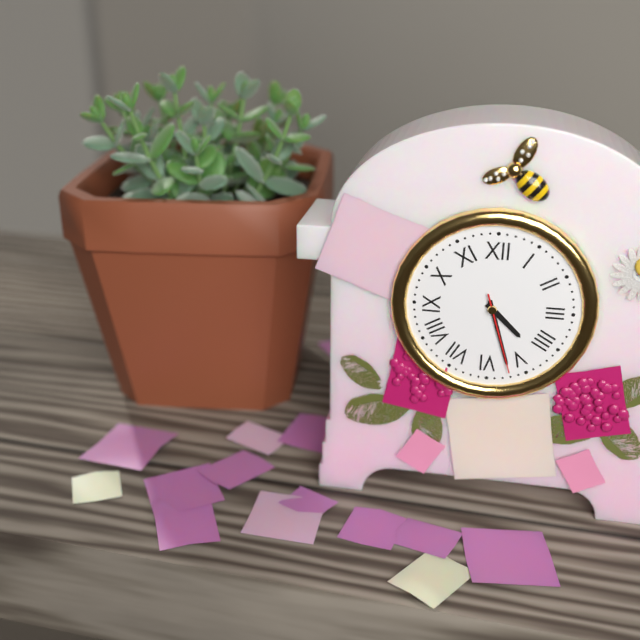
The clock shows 4:27:27
